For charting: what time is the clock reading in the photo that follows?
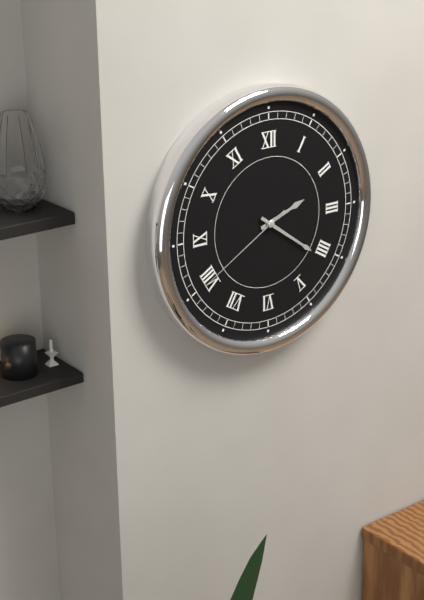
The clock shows 2:21:40
